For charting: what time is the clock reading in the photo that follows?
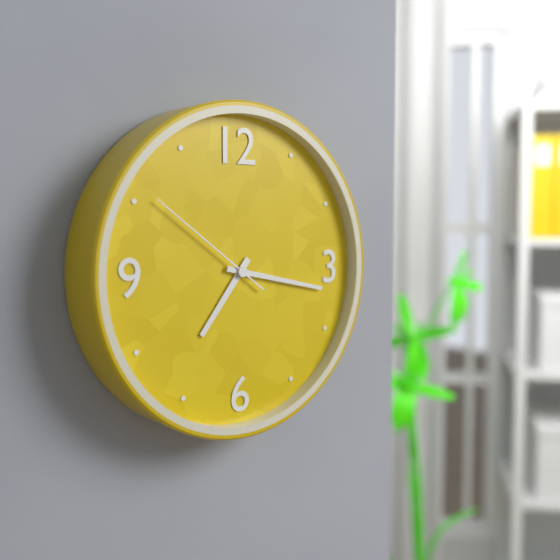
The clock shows 7:17:51
